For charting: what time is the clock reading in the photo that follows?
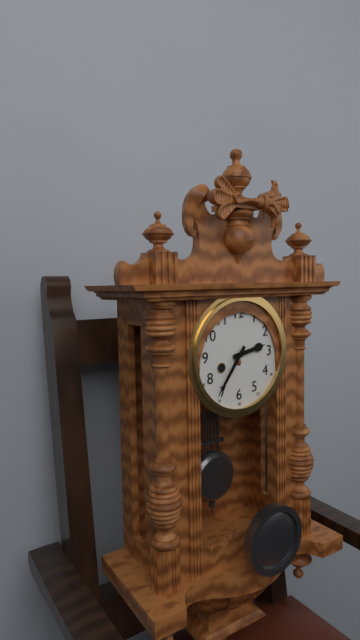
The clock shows 2:36
